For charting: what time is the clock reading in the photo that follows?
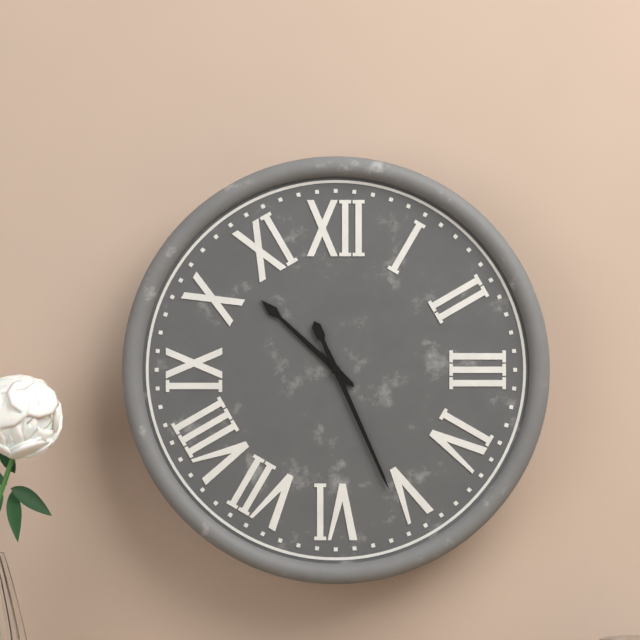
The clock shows 10:26
